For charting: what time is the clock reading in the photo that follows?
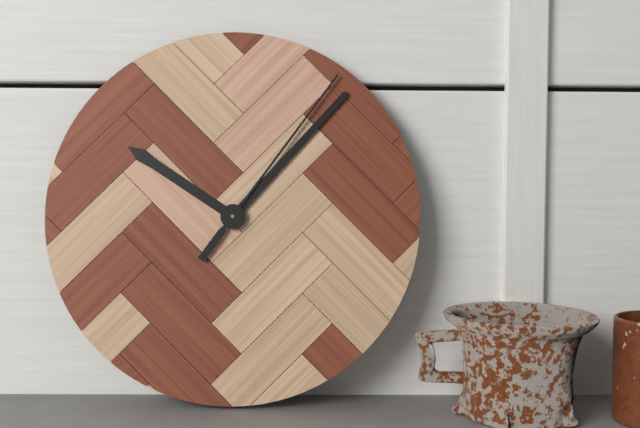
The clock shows 10:07:06
